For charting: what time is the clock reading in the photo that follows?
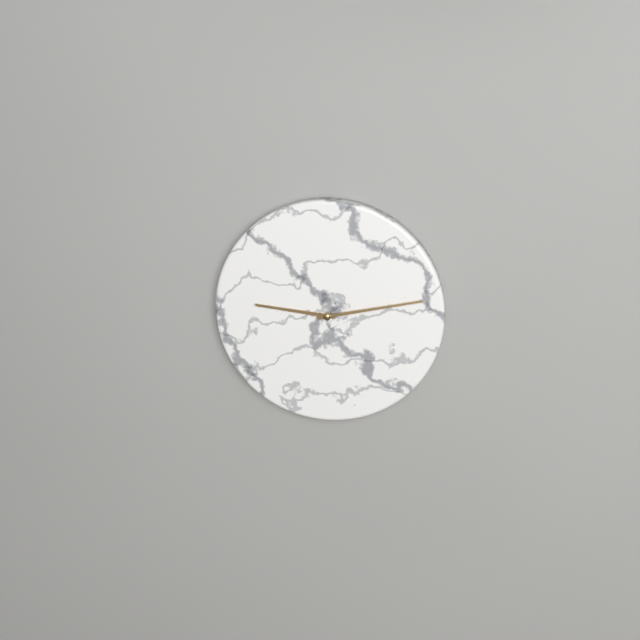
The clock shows 9:13
